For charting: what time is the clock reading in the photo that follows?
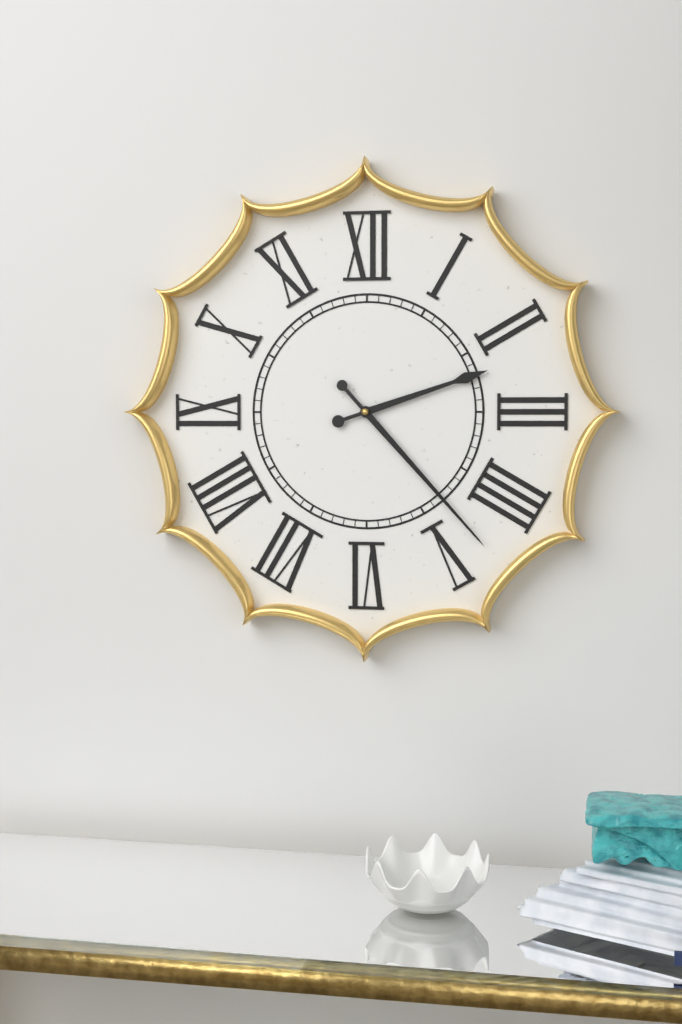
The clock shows 2:23
